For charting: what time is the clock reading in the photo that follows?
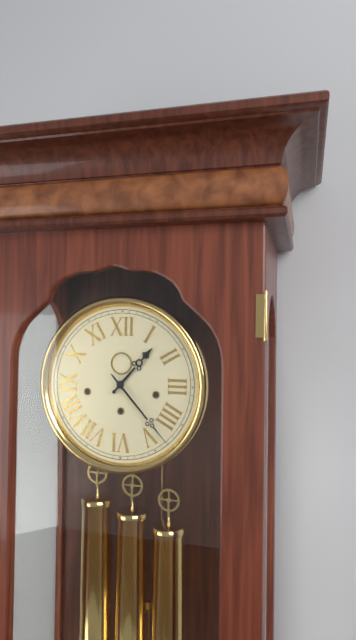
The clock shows 1:23
